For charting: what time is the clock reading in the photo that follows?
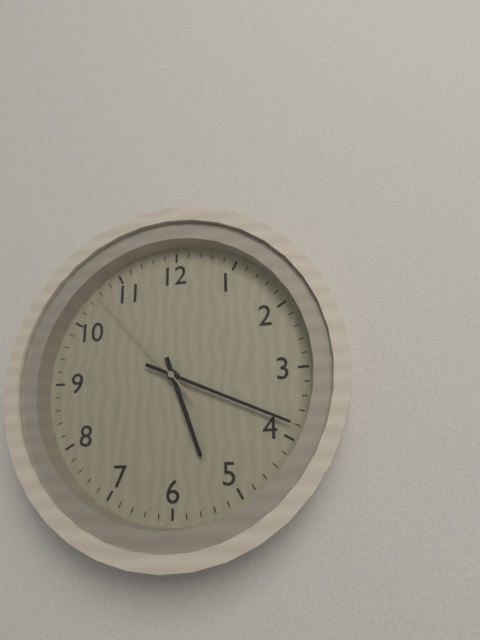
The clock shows 5:19:53
